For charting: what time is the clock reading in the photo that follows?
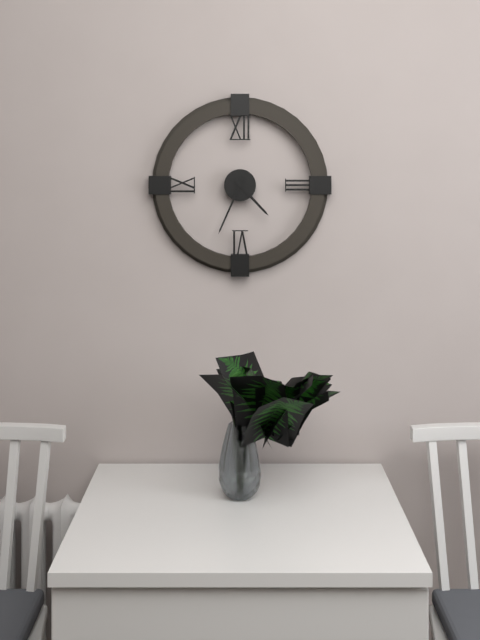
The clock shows 4:34
